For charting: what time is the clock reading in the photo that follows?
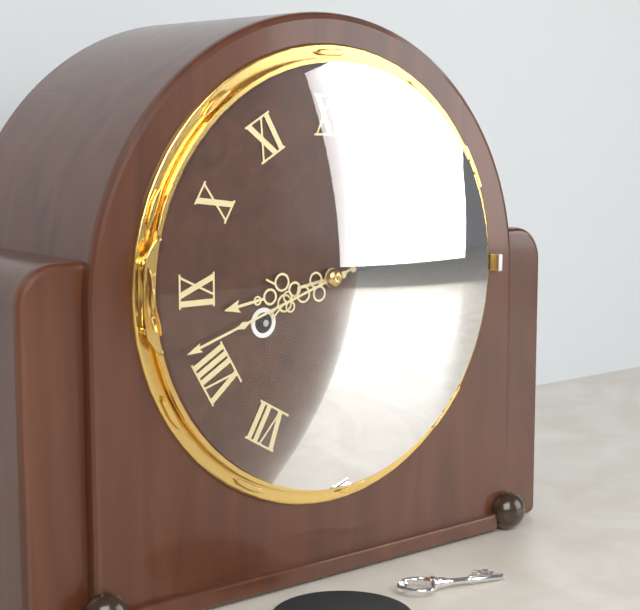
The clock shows 8:42
